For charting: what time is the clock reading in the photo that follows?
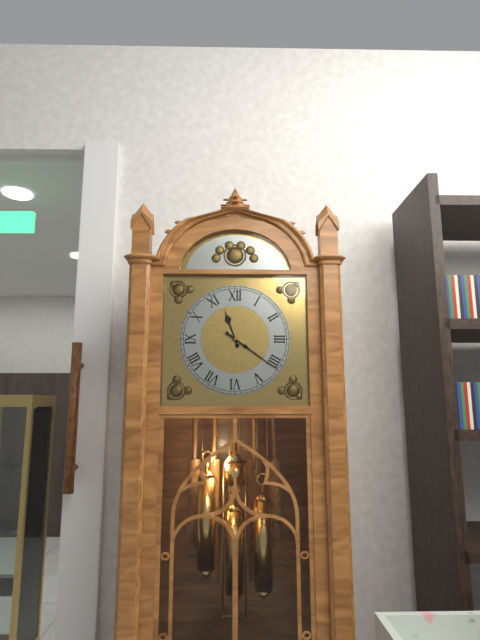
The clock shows 11:21
